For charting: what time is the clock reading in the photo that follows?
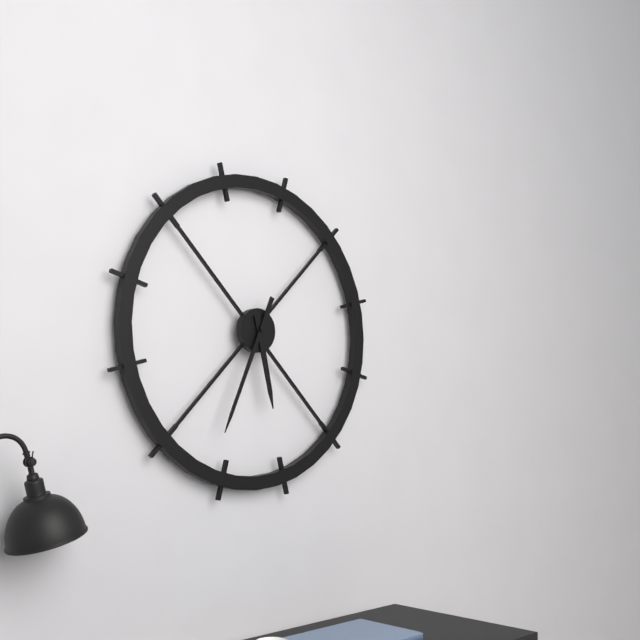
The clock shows 5:34
